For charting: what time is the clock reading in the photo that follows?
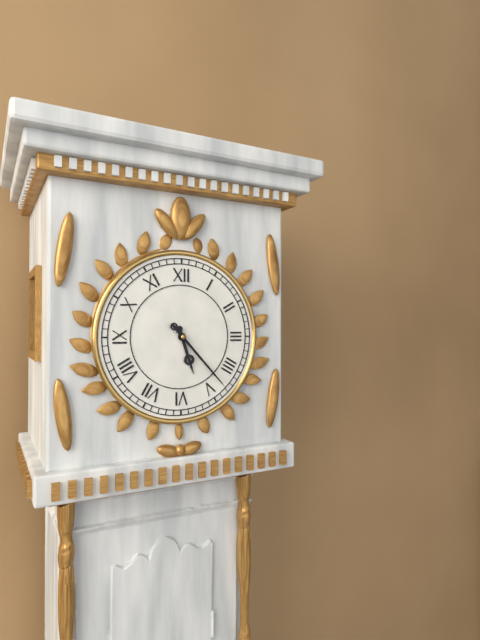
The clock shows 5:23
